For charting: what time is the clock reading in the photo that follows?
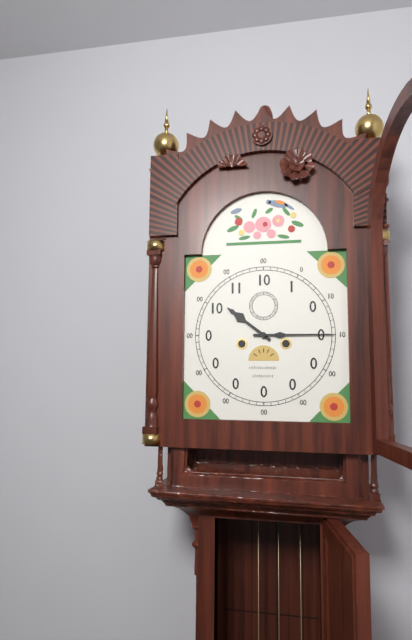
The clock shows 10:15
